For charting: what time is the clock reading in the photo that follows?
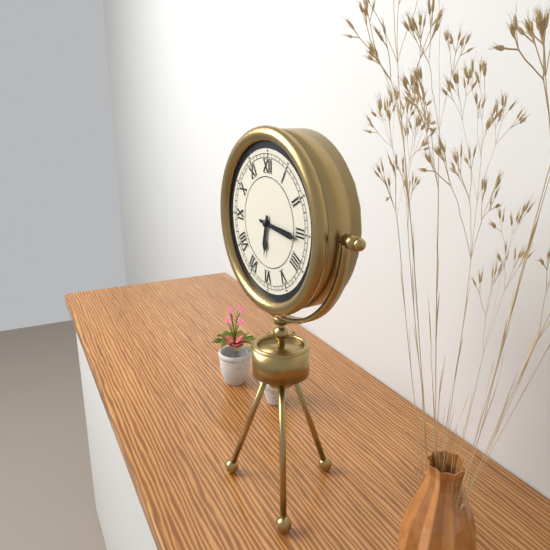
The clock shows 6:16
